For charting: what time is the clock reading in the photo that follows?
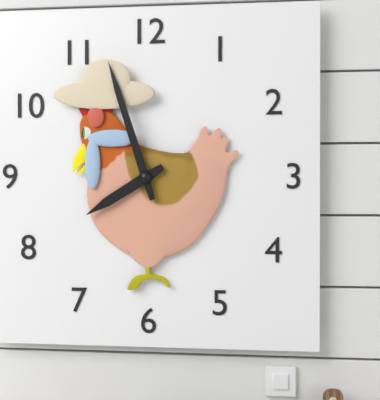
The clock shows 7:57
